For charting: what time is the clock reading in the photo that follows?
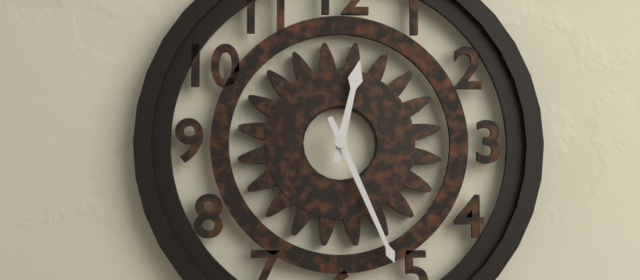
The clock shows 12:26
